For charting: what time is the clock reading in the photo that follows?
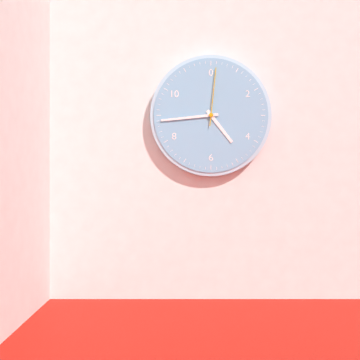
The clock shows 4:44:01
